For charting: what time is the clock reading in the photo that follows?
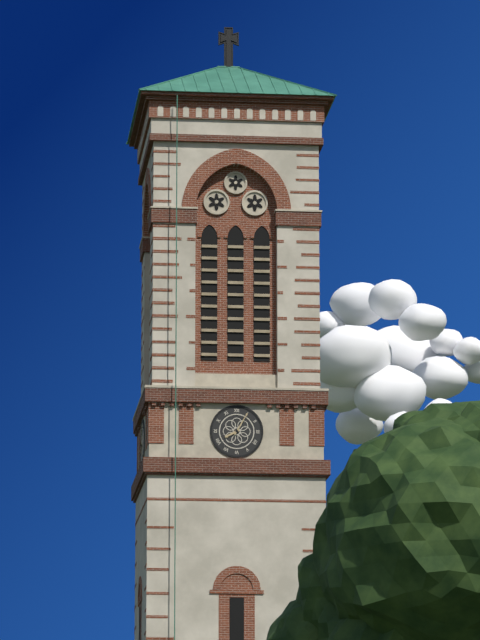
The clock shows 8:05
